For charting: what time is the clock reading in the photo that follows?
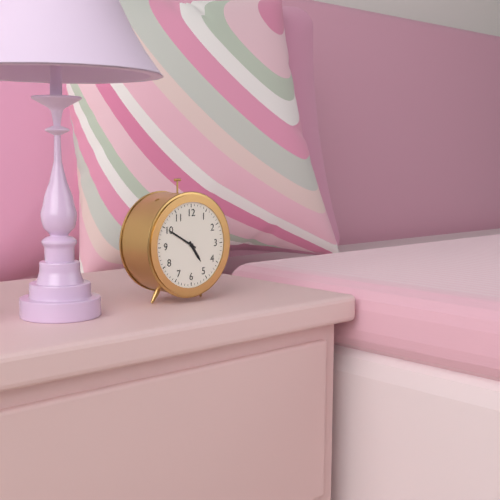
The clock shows 4:50
